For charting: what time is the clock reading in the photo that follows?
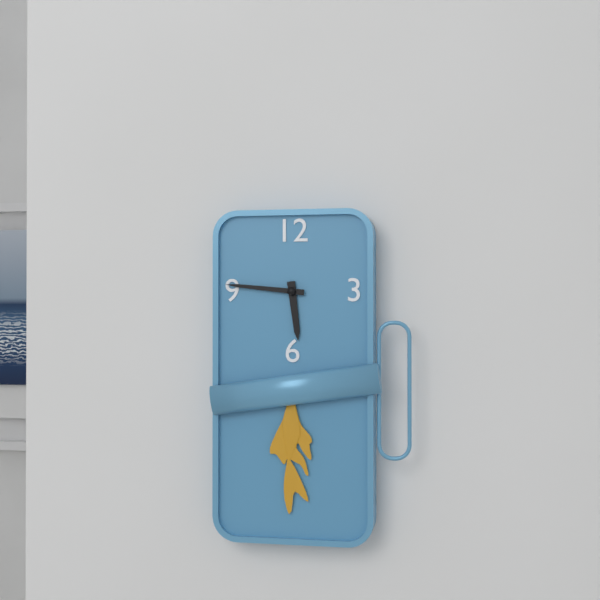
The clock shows 5:46
